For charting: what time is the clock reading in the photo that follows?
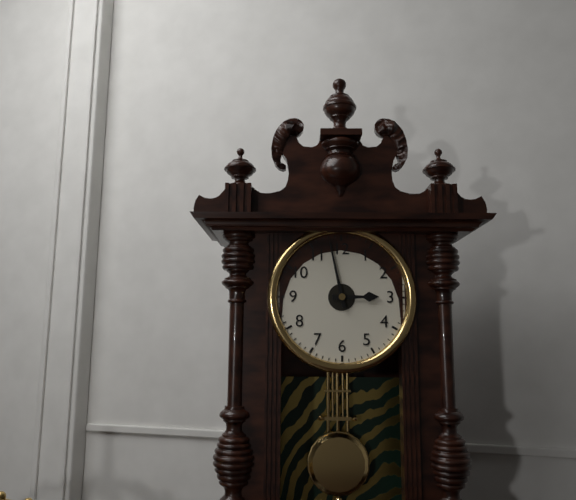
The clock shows 2:58
